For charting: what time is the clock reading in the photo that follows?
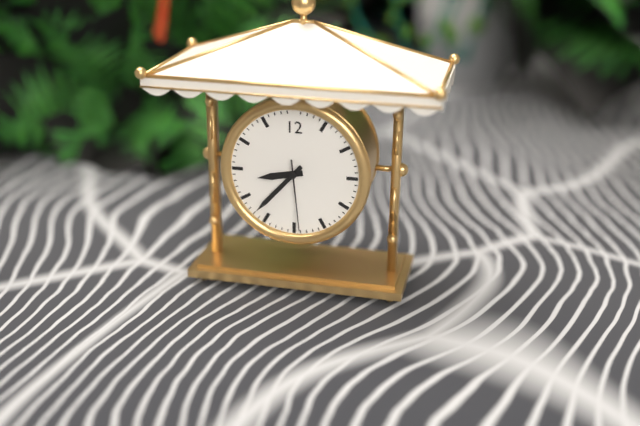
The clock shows 8:37:29
